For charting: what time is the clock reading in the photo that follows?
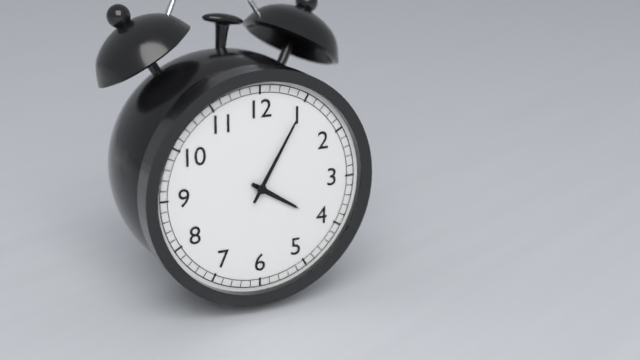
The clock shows 4:05
